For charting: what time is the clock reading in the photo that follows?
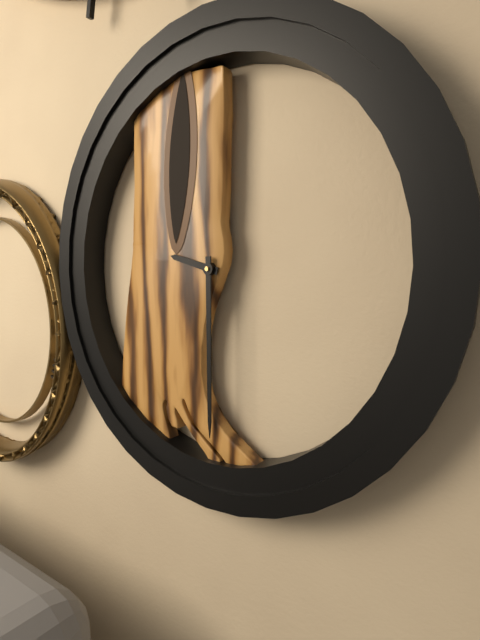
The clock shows 9:30
